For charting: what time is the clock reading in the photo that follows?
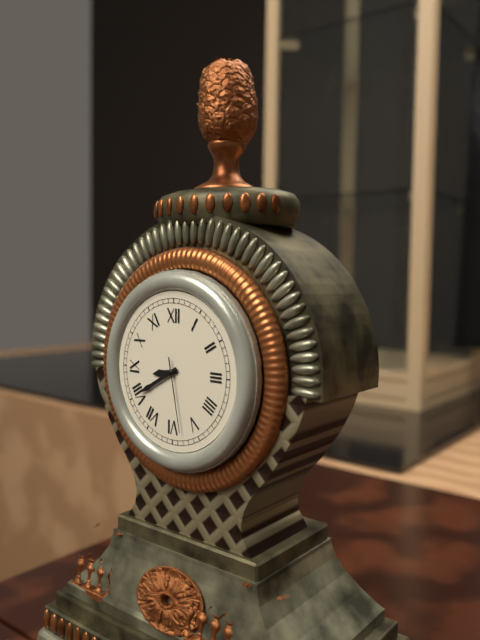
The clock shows 8:40:28
